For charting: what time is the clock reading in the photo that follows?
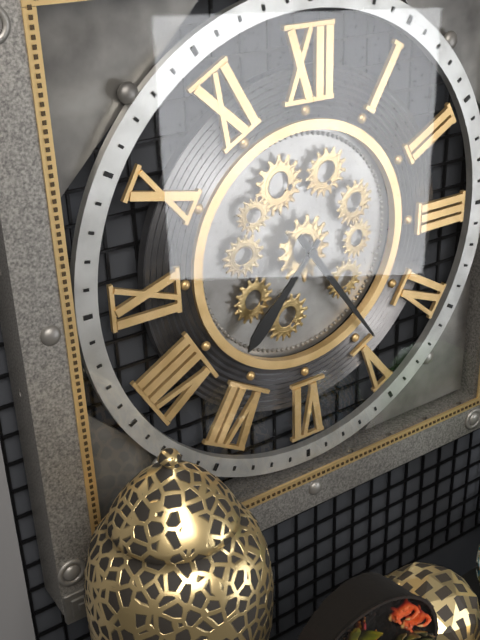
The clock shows 7:24
